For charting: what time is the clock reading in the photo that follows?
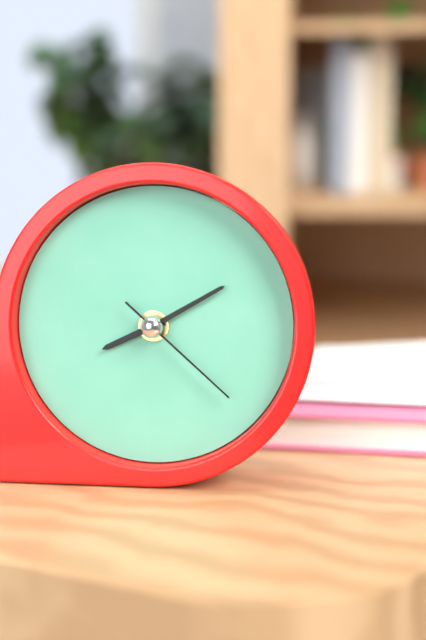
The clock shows 8:10:22
